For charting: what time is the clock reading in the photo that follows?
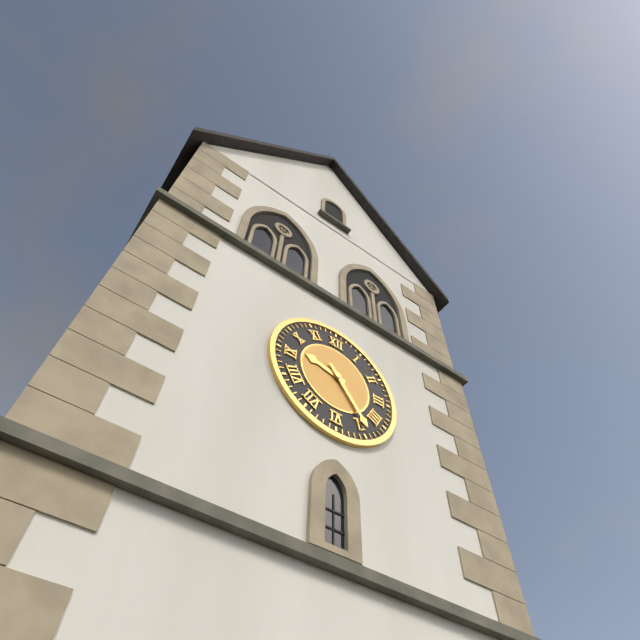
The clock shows 9:24
